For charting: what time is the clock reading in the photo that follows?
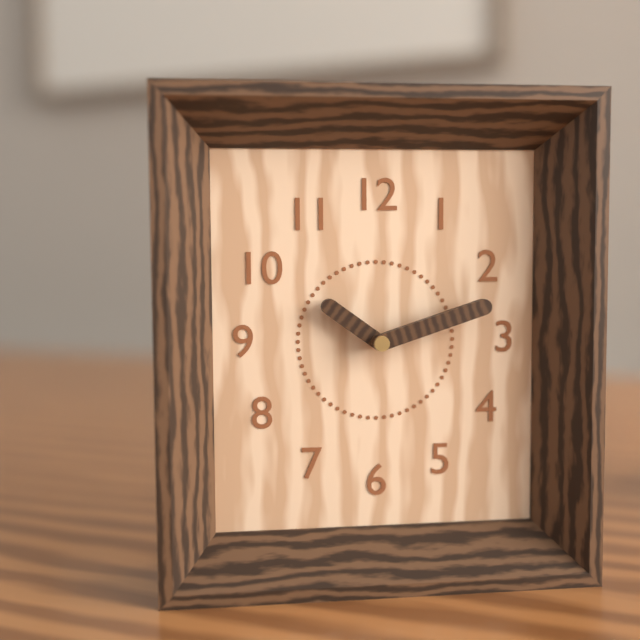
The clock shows 10:12
